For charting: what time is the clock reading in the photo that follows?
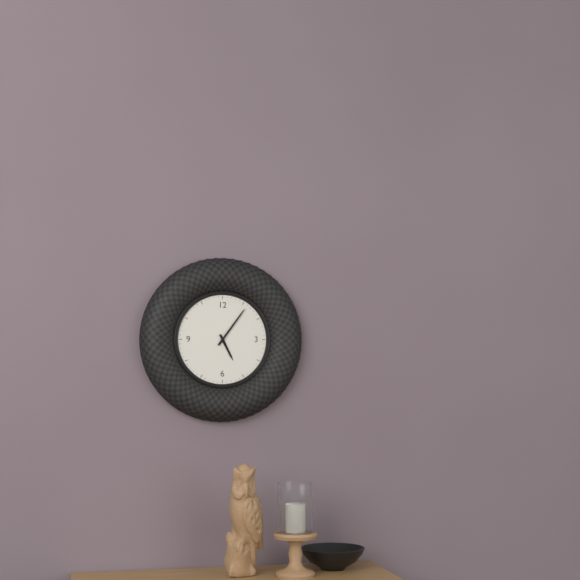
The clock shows 5:06
